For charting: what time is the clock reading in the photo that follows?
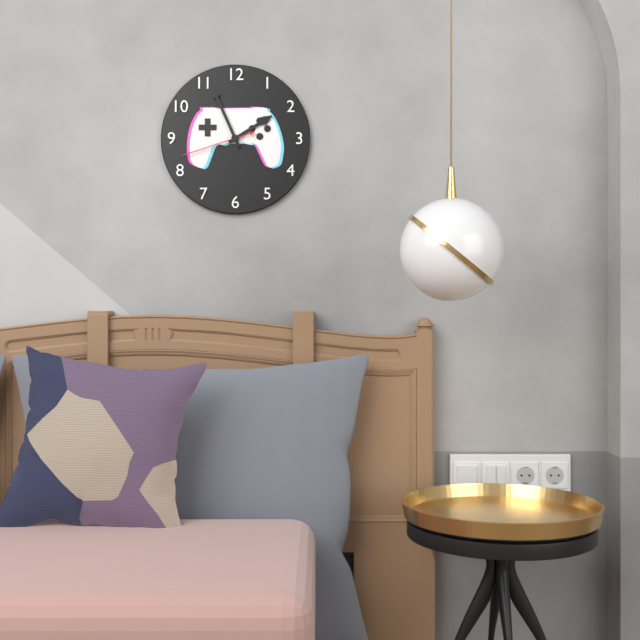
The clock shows 1:56:42
